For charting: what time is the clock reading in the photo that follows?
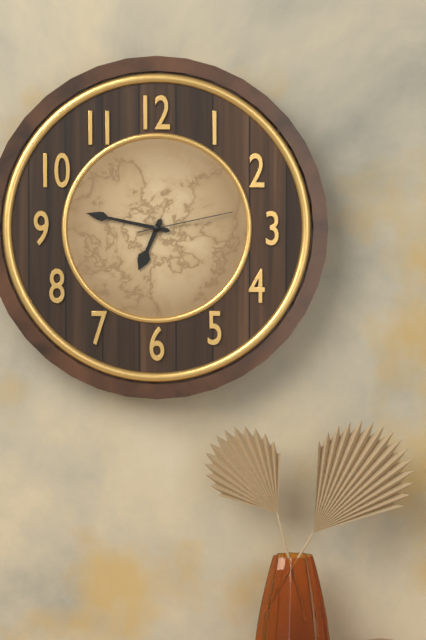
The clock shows 6:47:13
